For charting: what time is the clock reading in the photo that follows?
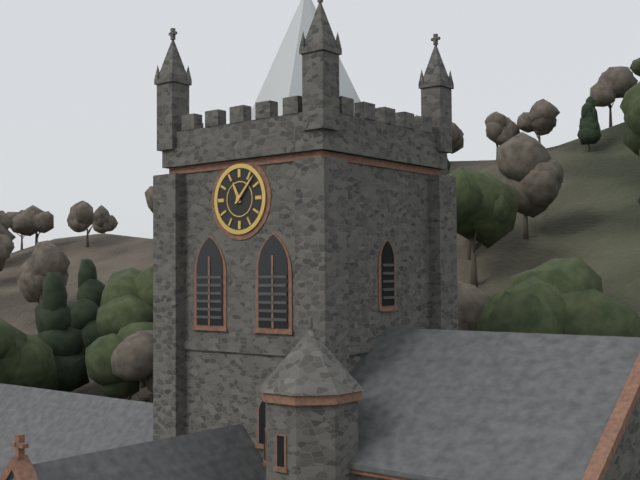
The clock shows 11:07
